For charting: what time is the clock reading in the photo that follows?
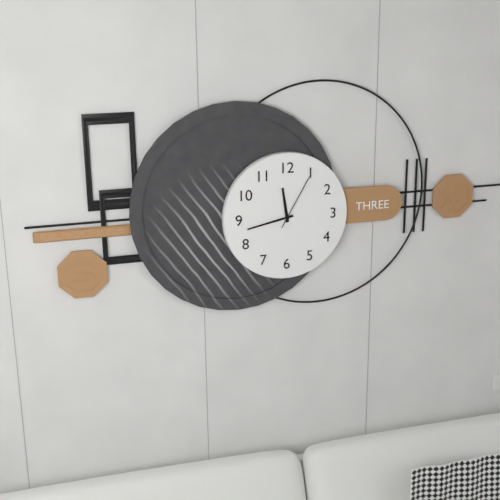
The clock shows 11:43:05
